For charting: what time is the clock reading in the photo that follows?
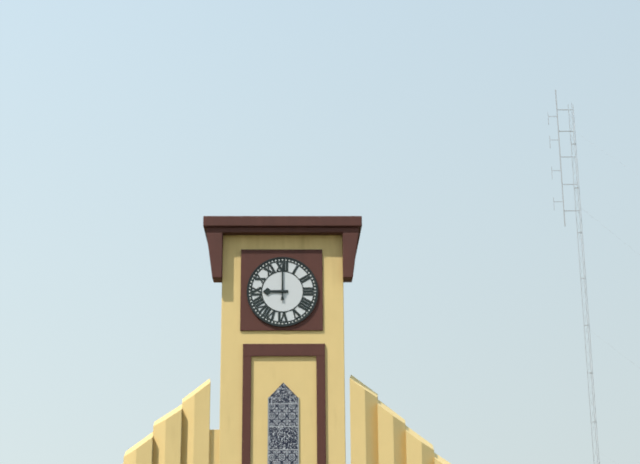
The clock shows 9:00
